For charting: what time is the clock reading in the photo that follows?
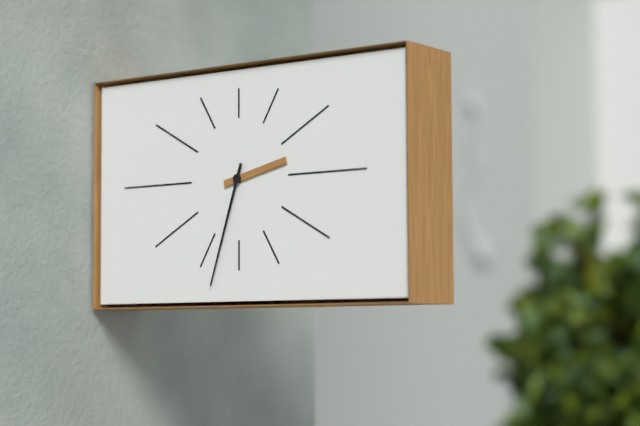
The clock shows 2:33
